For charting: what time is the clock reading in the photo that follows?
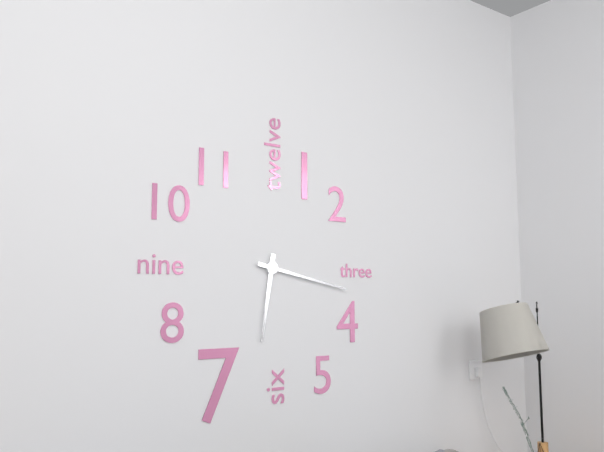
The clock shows 6:17
